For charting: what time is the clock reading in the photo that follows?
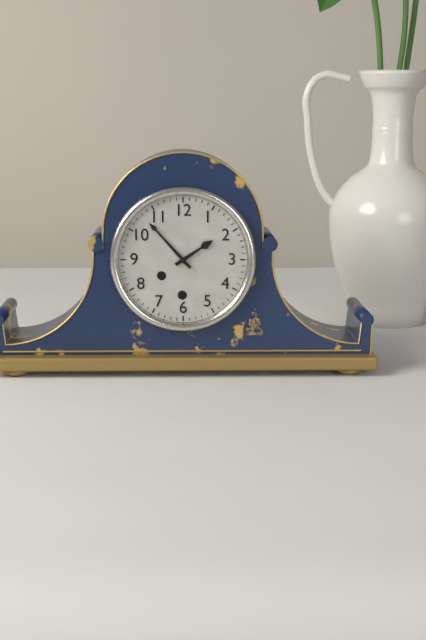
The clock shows 1:53
